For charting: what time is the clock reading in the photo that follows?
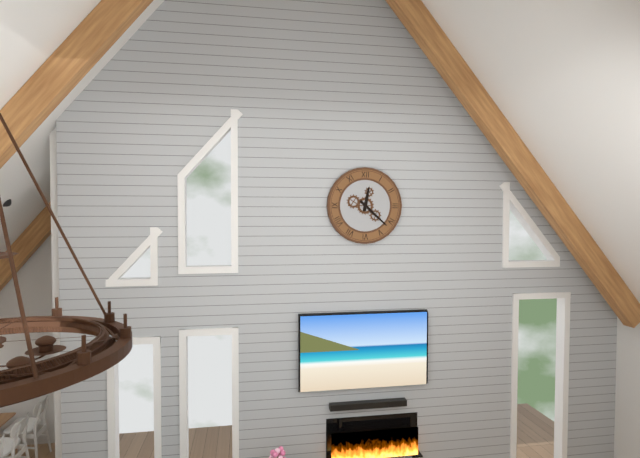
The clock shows 12:22
